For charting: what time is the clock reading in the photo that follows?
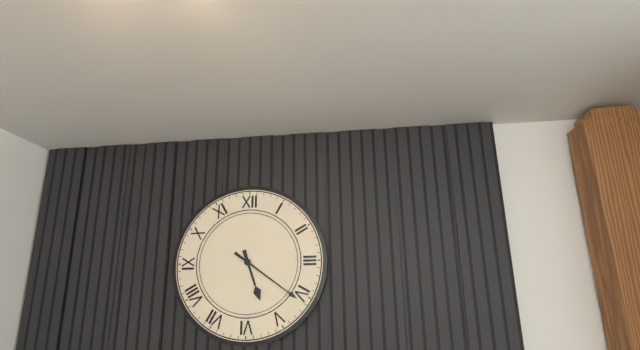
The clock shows 5:21
